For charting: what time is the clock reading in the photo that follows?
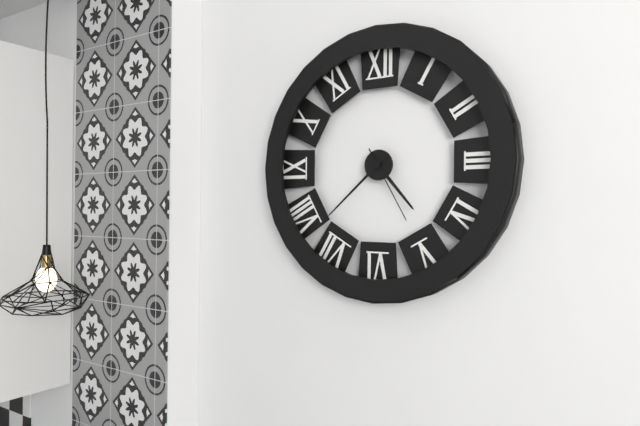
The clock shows 4:38:25
